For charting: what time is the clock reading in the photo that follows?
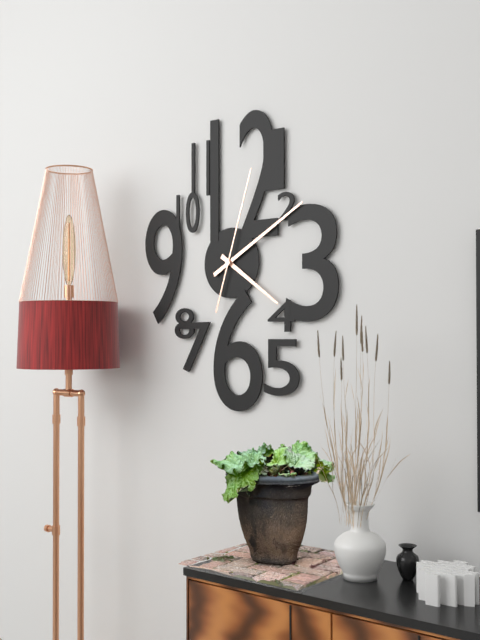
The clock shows 4:10:03
